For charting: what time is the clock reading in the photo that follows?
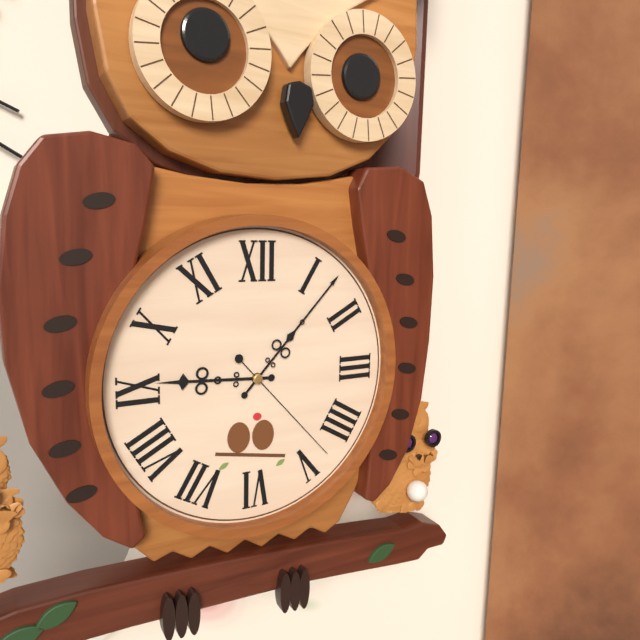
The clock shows 9:07:23
